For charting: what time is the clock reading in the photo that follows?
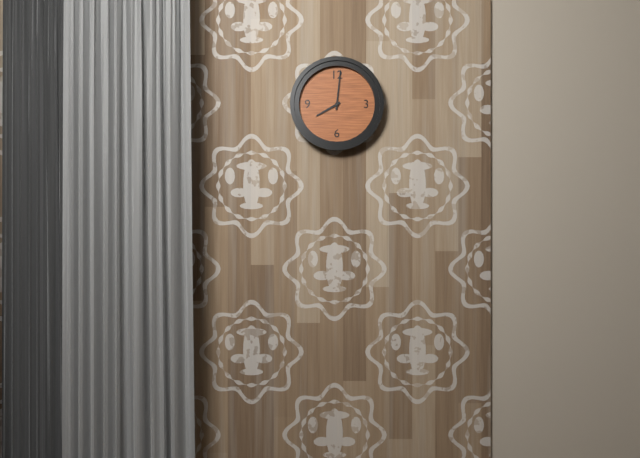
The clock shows 8:01
